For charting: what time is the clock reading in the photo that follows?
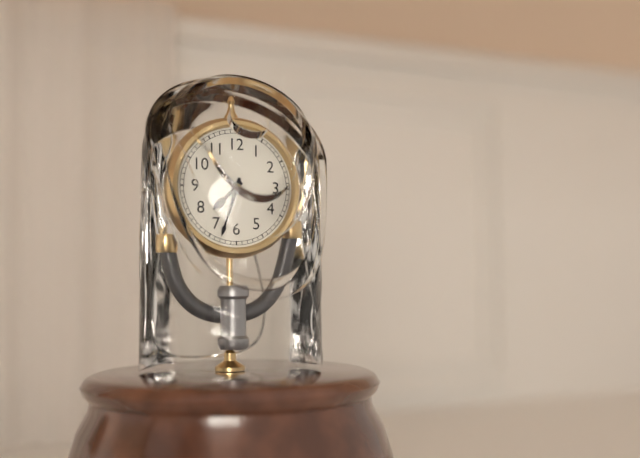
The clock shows 7:33
